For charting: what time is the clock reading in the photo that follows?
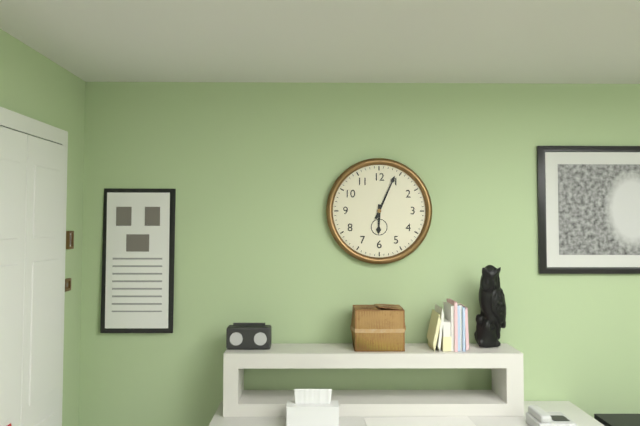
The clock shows 6:04
